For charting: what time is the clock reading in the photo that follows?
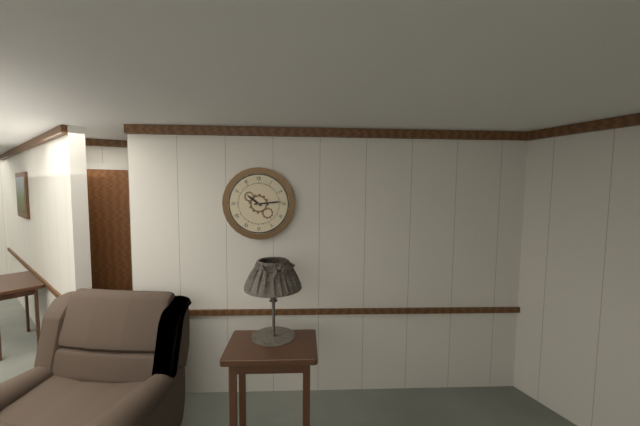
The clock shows 10:14
